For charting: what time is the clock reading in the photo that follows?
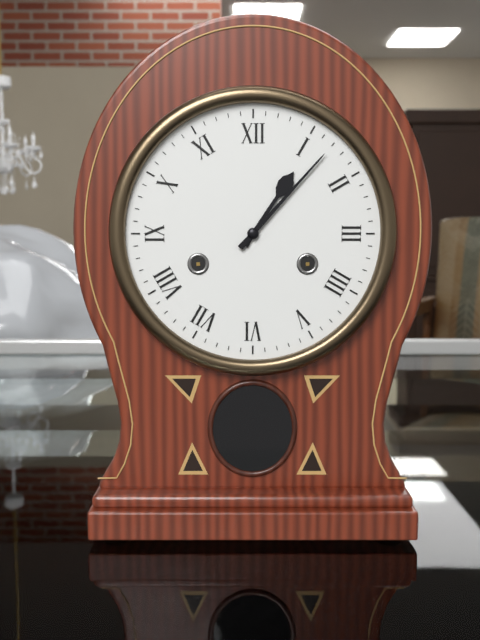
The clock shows 1:07
